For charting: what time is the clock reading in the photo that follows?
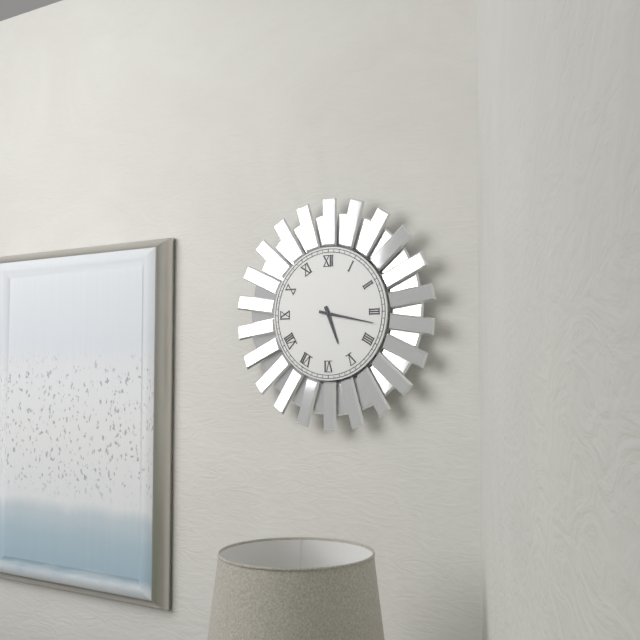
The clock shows 5:17
